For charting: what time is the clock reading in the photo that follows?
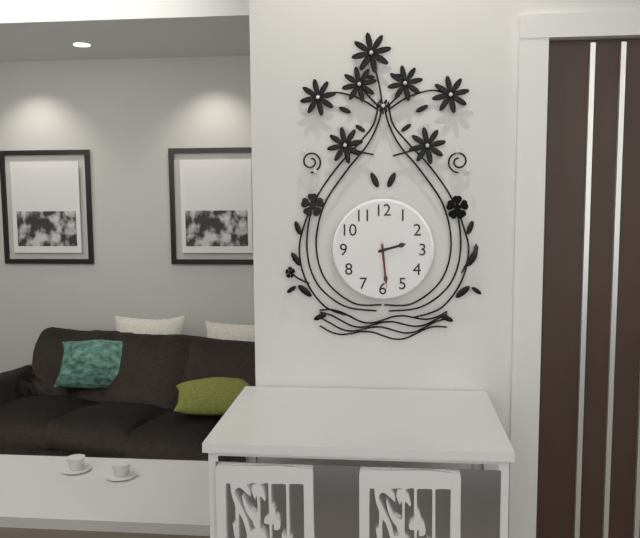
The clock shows 2:29
